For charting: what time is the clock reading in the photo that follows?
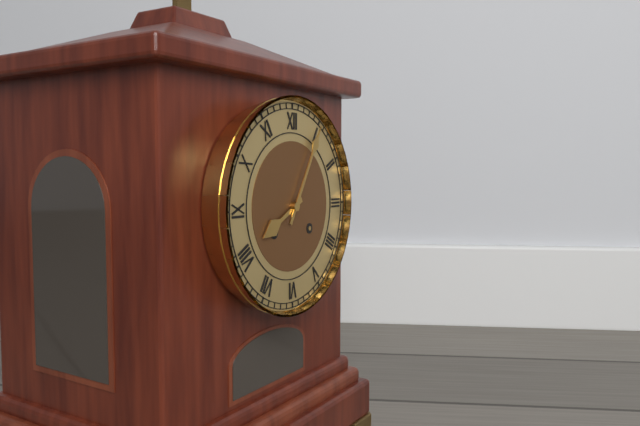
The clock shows 8:05
